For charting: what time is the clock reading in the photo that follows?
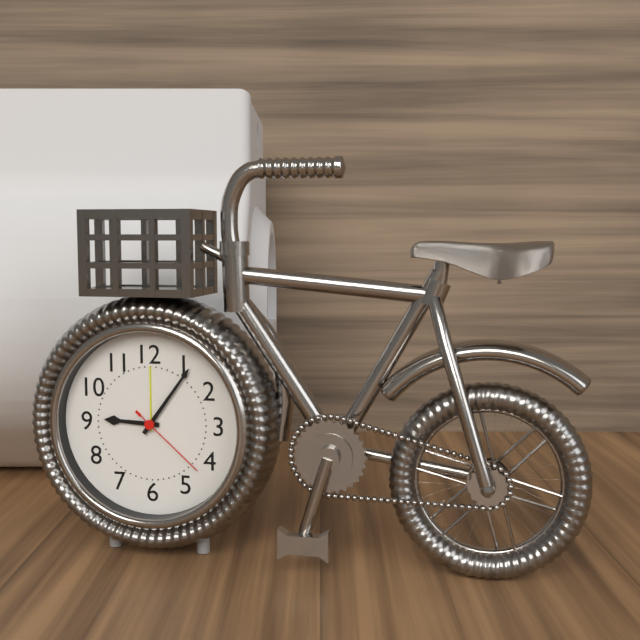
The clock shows 9:06:22
